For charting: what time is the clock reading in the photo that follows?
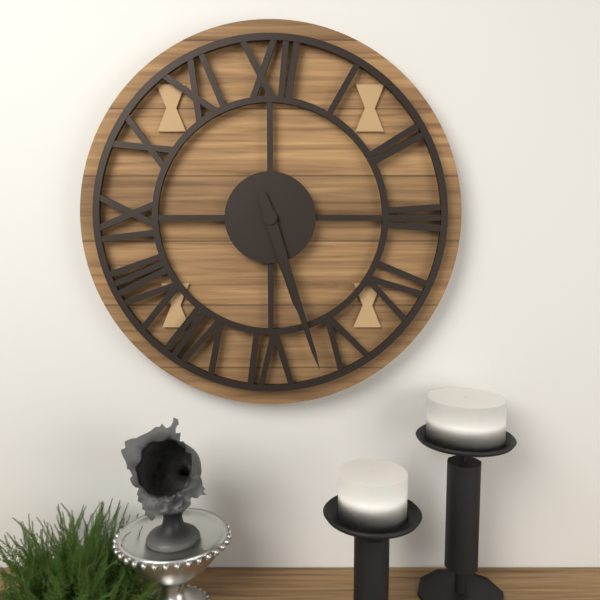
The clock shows 5:27
